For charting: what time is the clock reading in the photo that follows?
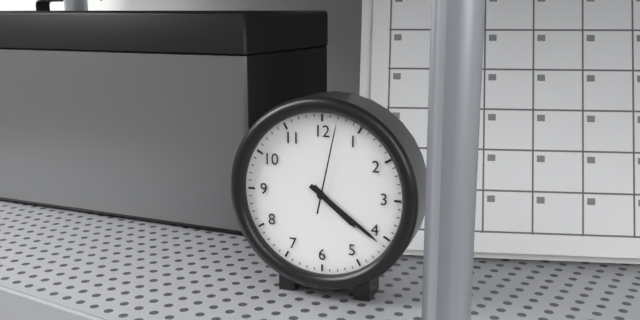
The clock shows 4:21:02
